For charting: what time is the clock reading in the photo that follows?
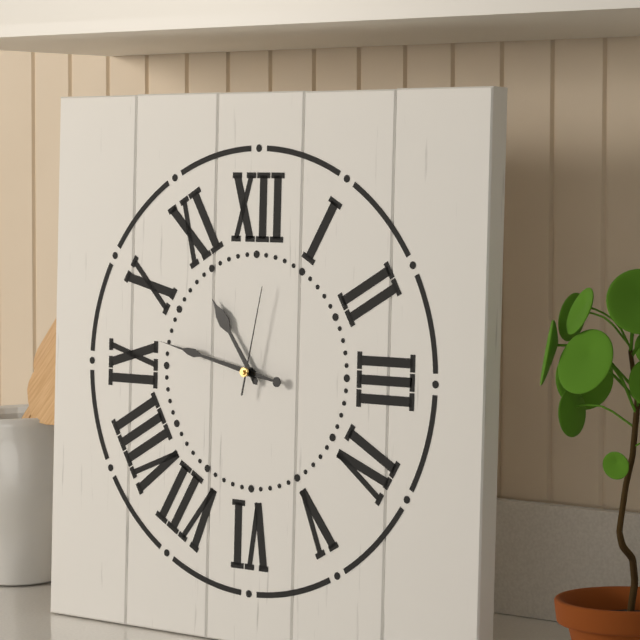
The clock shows 10:47:02
